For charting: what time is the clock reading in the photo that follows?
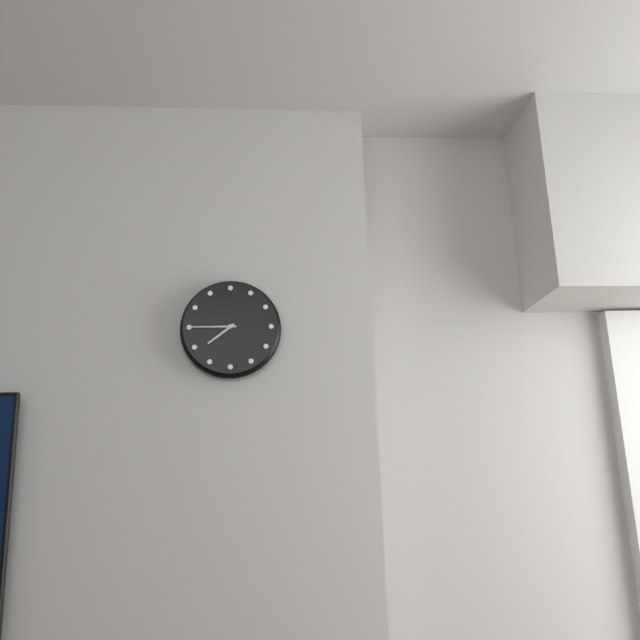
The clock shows 7:45
